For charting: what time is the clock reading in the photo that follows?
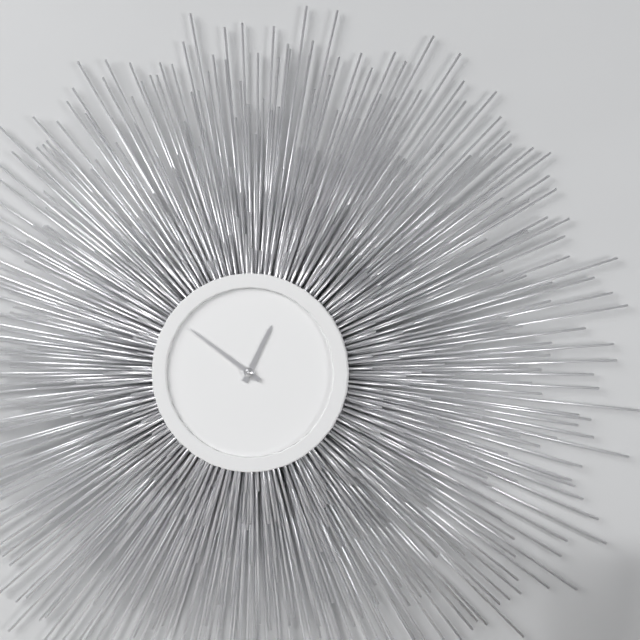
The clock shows 12:51
